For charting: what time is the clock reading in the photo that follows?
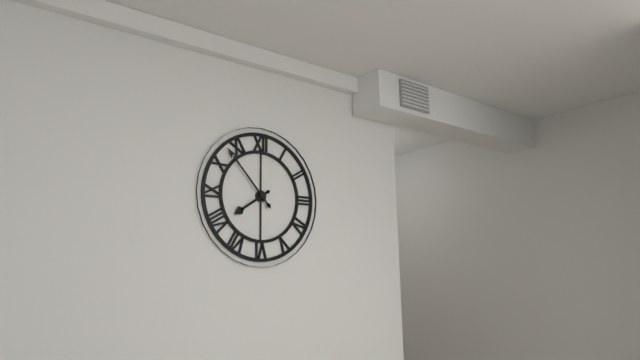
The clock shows 7:53
